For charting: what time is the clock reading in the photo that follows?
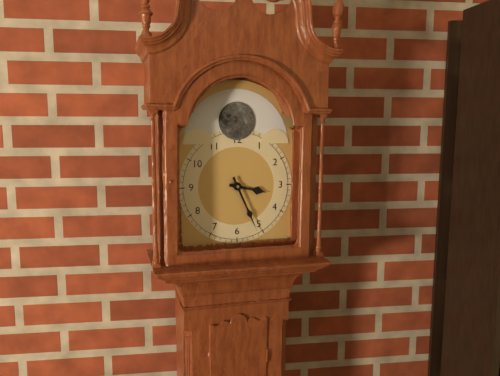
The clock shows 3:26
